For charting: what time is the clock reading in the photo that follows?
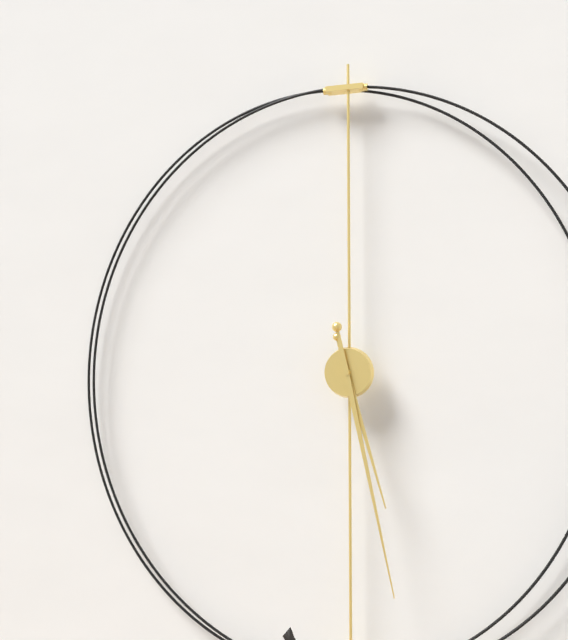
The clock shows 5:28
